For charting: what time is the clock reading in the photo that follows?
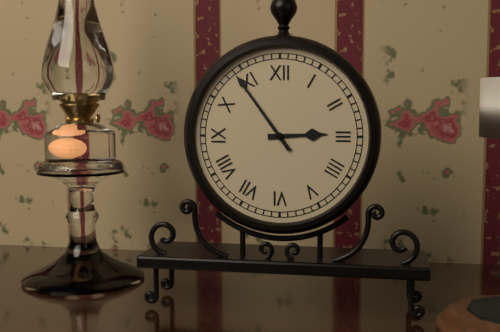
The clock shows 2:54
